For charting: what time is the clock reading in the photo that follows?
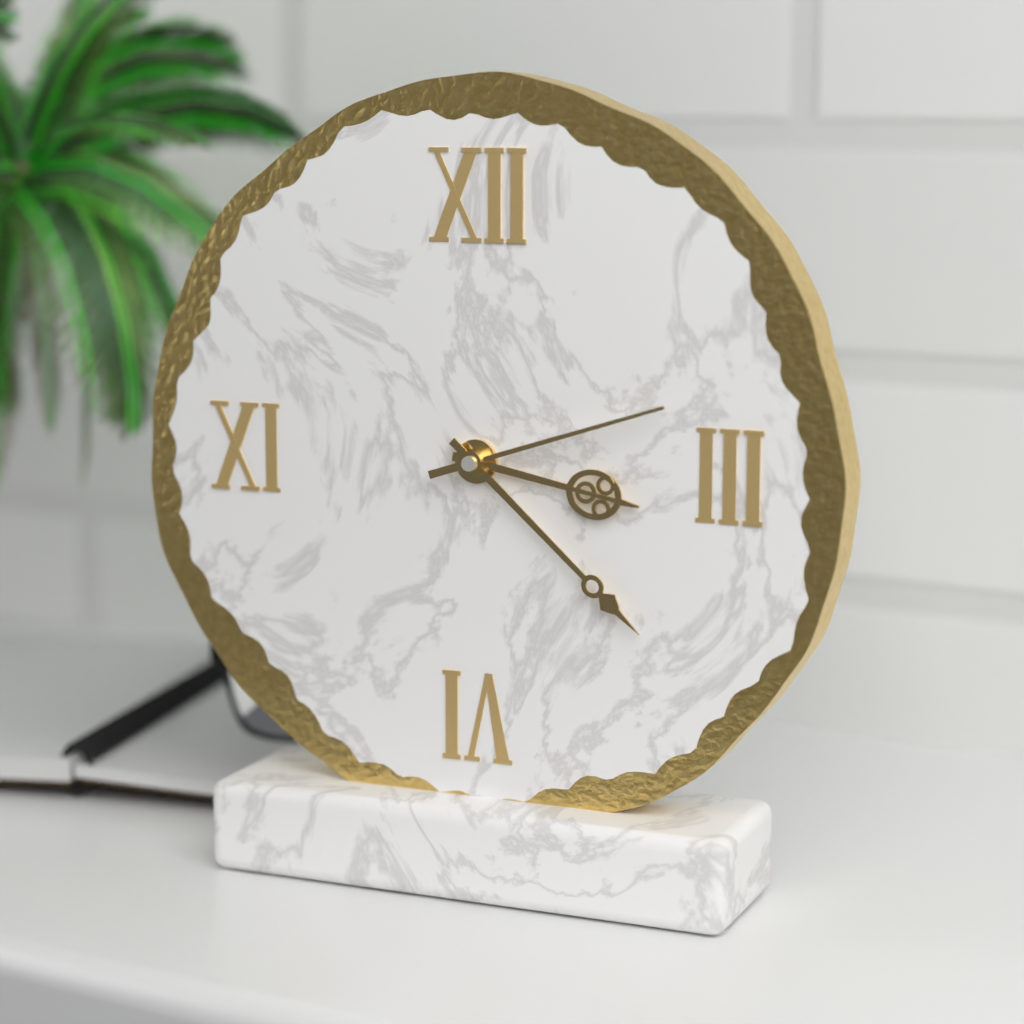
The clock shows 3:22:12
